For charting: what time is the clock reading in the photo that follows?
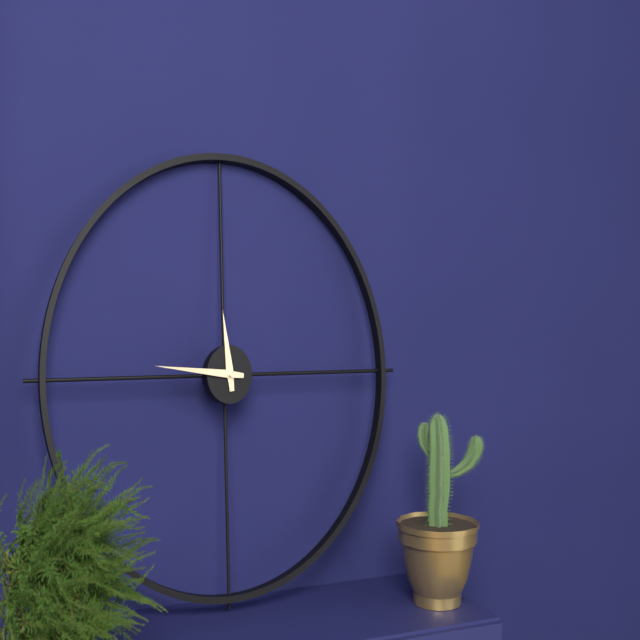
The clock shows 11:46
